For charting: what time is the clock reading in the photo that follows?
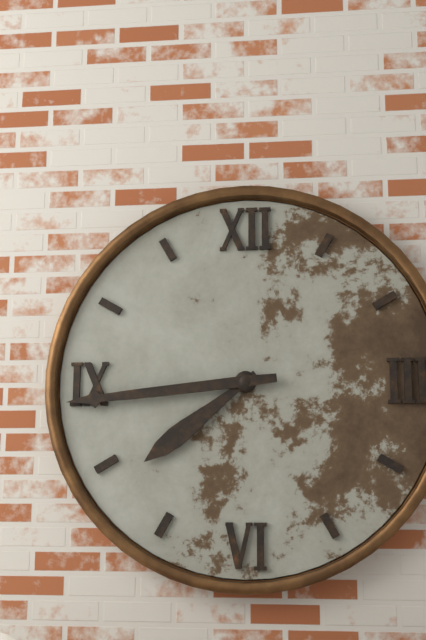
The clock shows 7:44
